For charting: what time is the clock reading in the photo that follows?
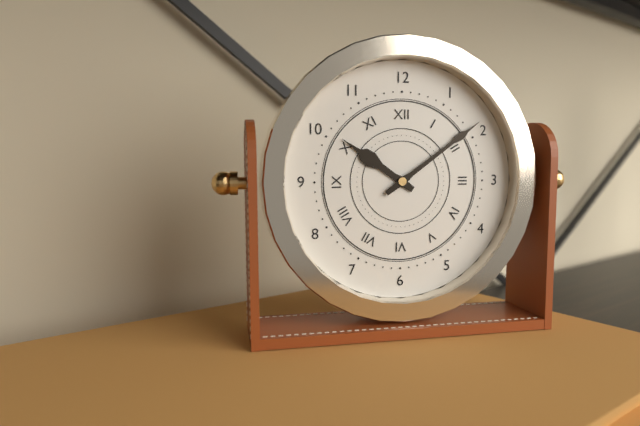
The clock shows 10:09
